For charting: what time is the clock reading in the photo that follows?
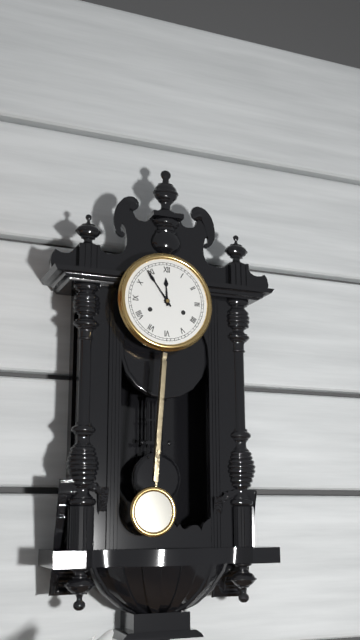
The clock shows 11:54
